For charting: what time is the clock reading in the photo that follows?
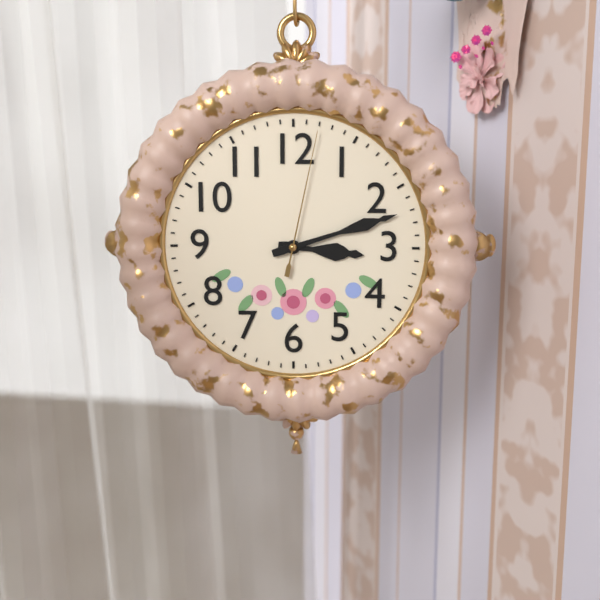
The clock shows 3:12:02
